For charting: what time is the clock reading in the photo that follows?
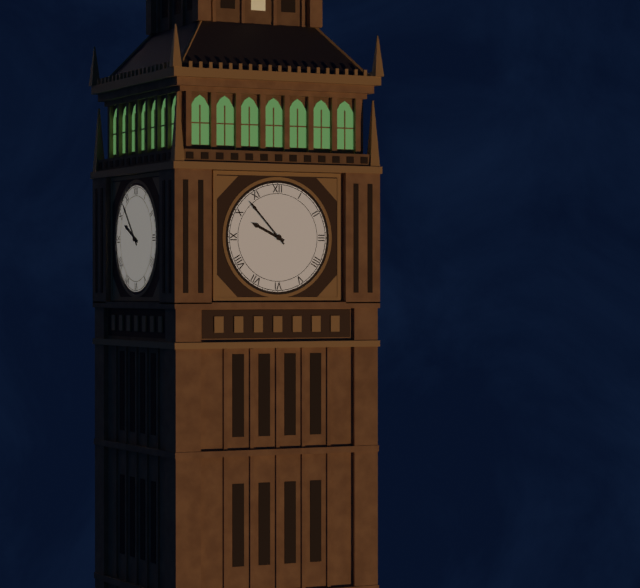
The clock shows 9:53
